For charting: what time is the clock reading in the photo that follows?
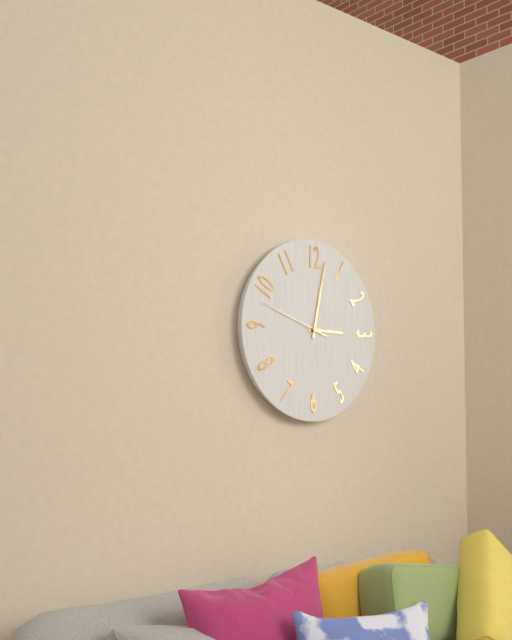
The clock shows 3:02:48
